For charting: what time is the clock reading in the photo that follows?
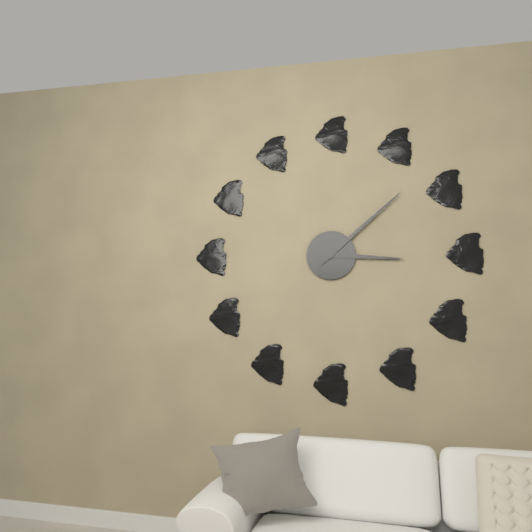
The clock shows 3:08
